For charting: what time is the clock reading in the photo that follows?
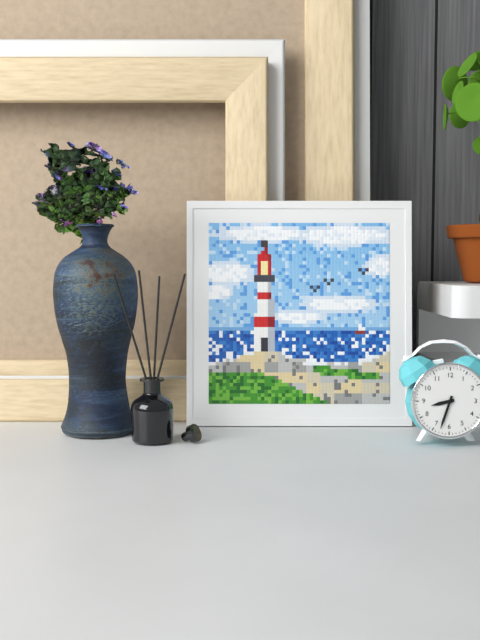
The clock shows 8:33
